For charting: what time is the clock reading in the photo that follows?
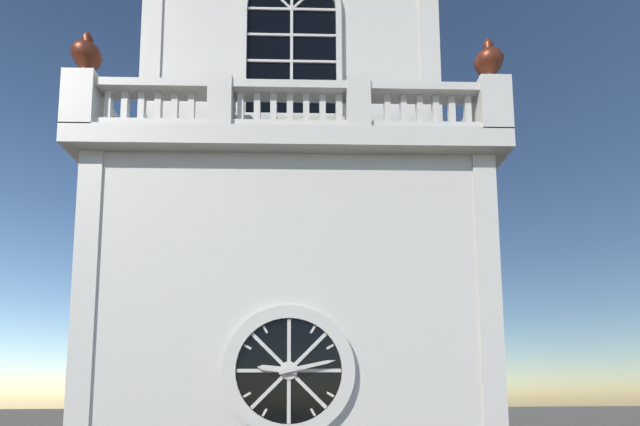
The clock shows 9:13
